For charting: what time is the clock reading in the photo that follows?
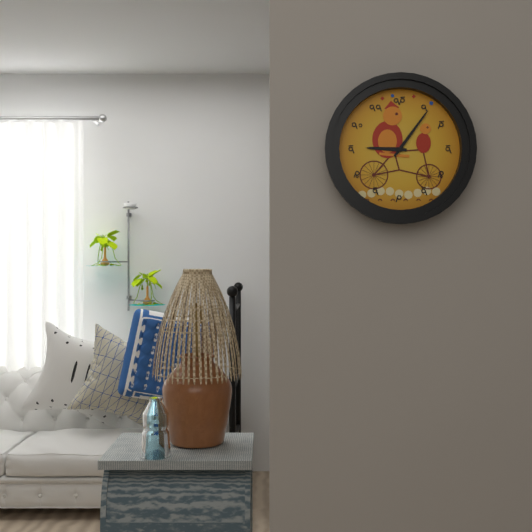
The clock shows 9:06
